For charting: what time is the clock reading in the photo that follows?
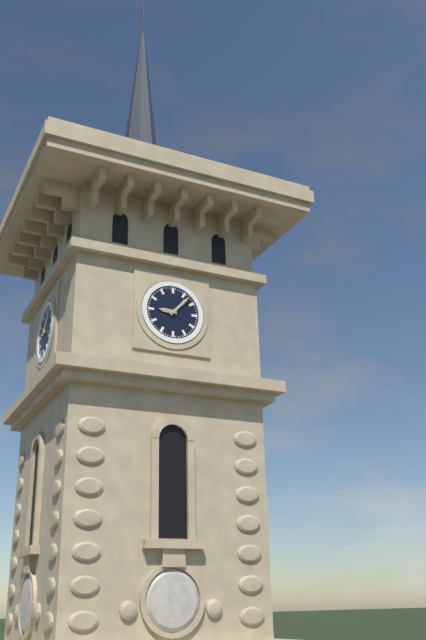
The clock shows 9:07
